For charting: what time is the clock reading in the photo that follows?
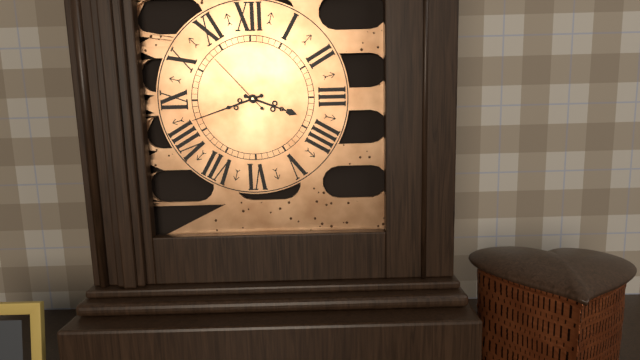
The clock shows 3:42:53
